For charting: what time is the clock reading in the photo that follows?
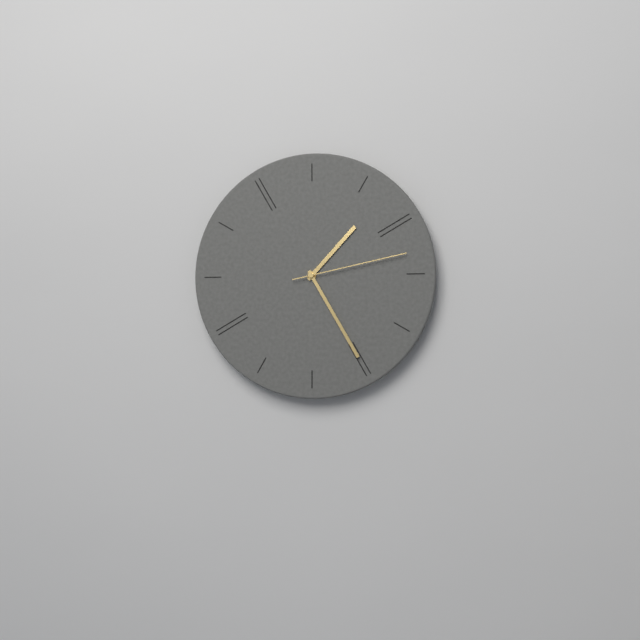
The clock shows 1:25:13
